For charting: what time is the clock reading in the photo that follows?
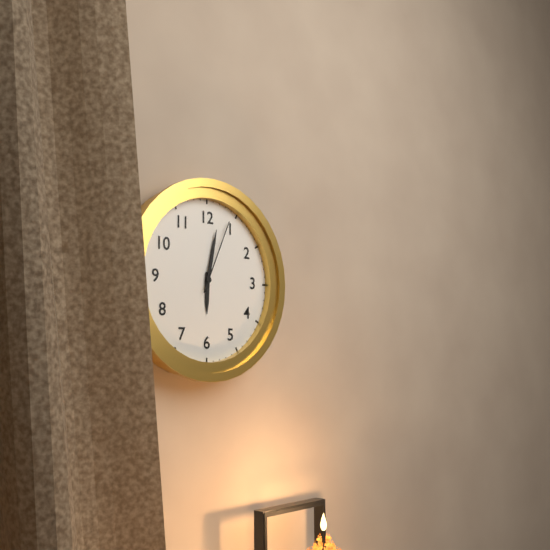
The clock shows 6:02:04
